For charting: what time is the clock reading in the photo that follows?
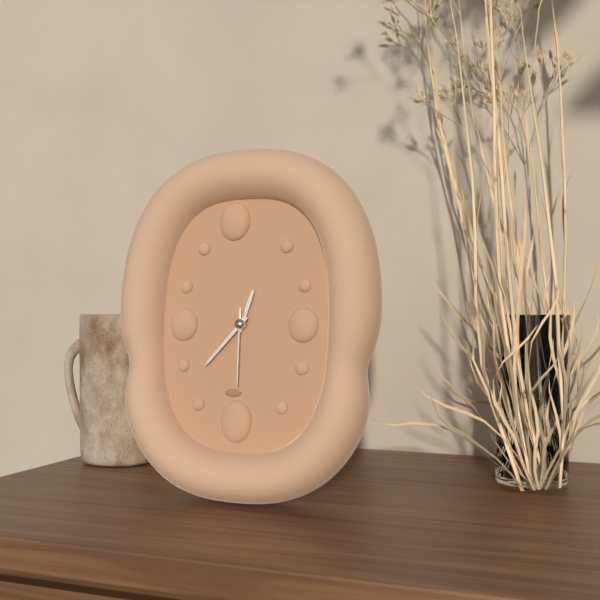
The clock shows 12:37:30
